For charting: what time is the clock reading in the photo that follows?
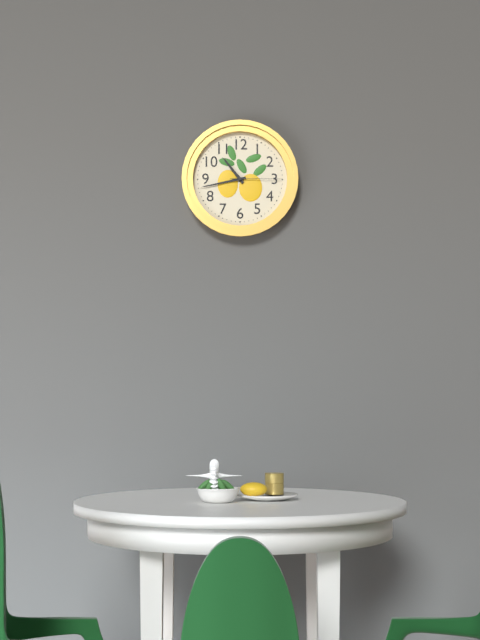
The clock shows 10:43:15
